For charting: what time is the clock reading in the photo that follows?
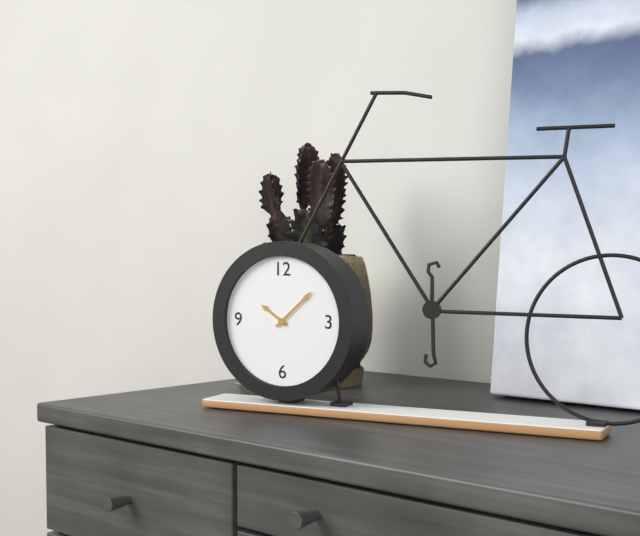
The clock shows 10:08
